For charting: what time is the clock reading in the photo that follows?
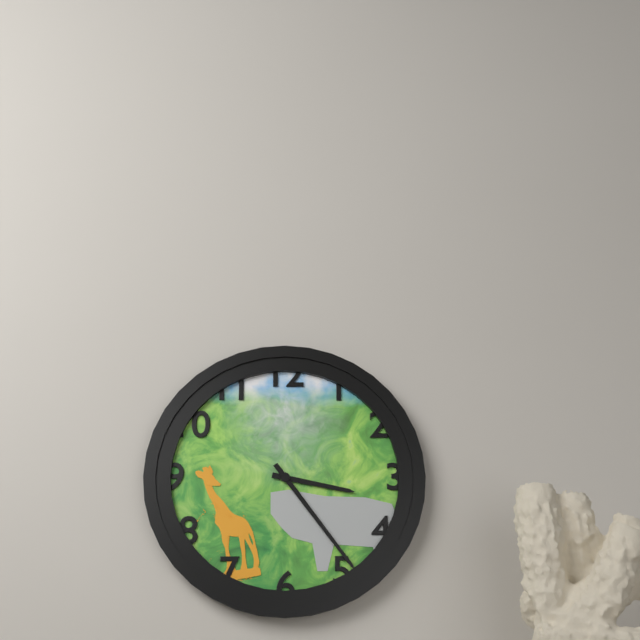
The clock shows 3:24
